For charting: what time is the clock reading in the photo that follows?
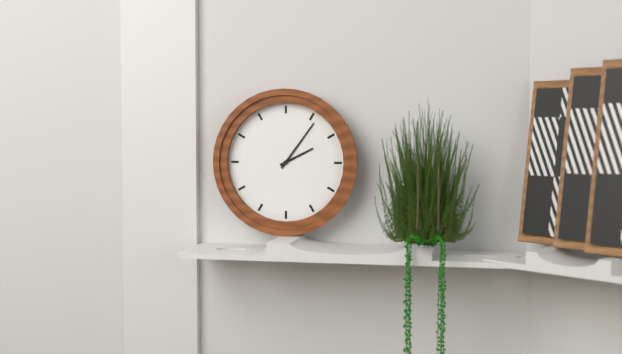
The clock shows 2:06
